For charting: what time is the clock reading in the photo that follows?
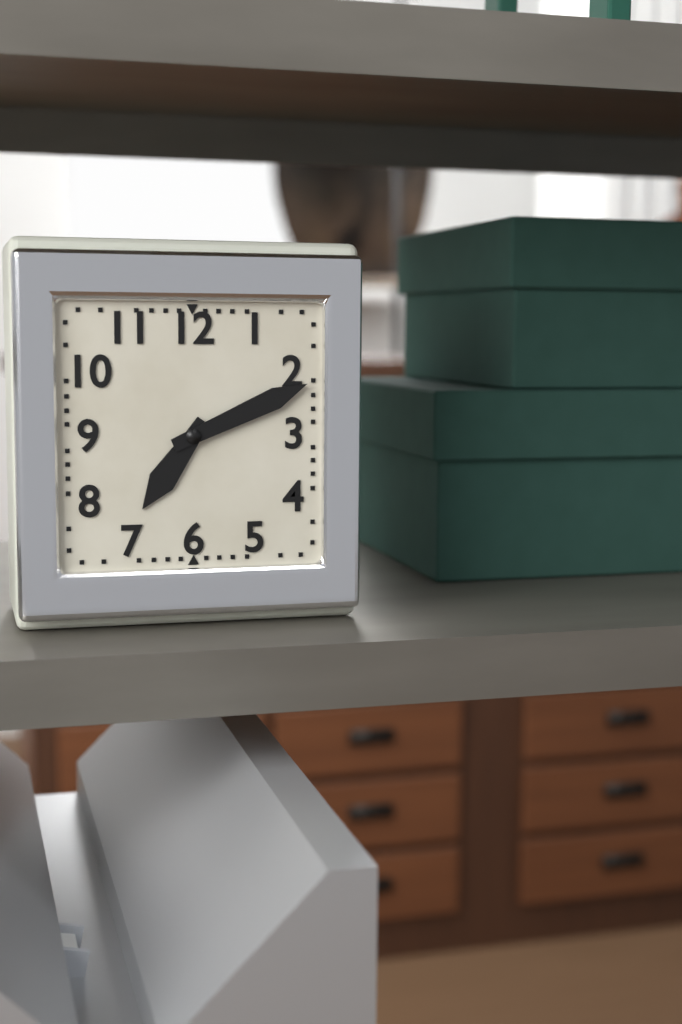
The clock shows 7:11
